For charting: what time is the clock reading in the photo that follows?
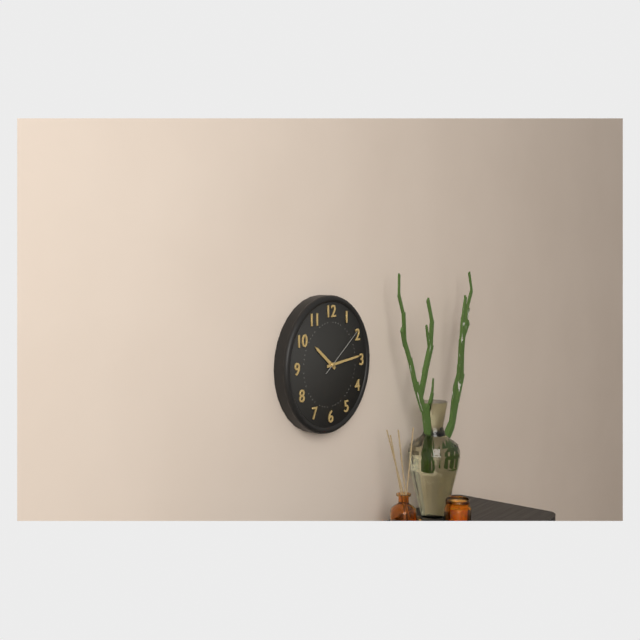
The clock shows 10:14:09
